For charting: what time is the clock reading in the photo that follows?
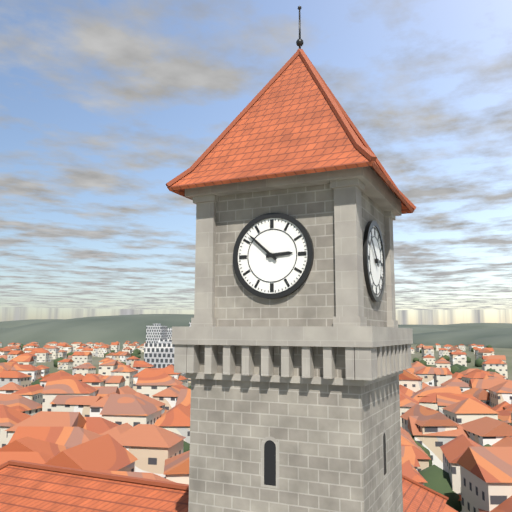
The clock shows 2:52
